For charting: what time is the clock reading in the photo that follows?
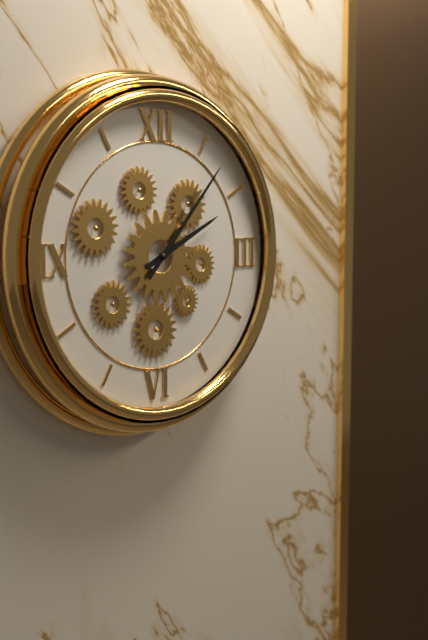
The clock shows 2:07
